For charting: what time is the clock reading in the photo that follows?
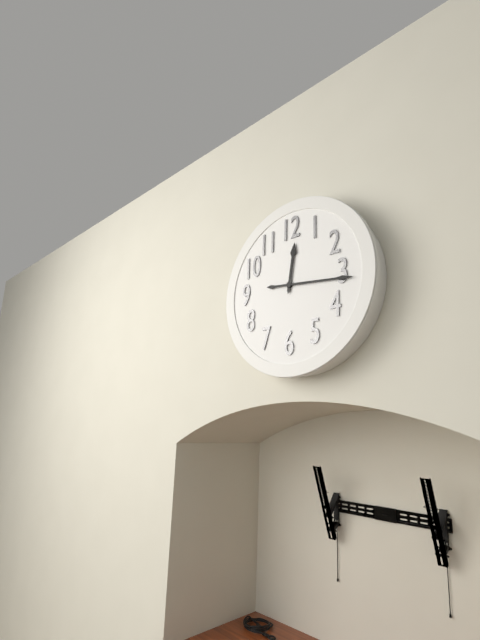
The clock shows 12:16
